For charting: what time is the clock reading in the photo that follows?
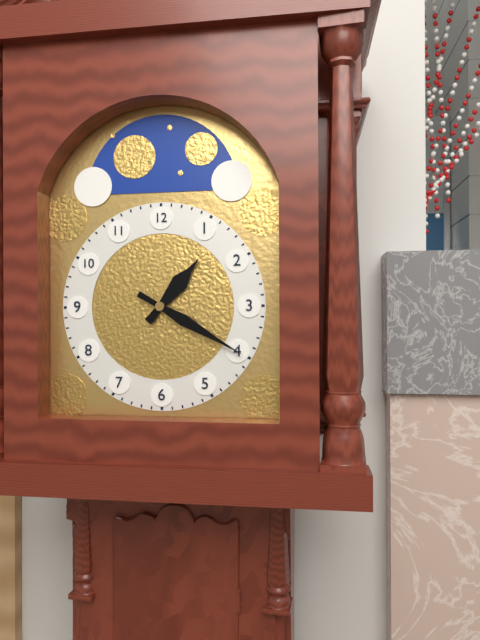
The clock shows 1:20
